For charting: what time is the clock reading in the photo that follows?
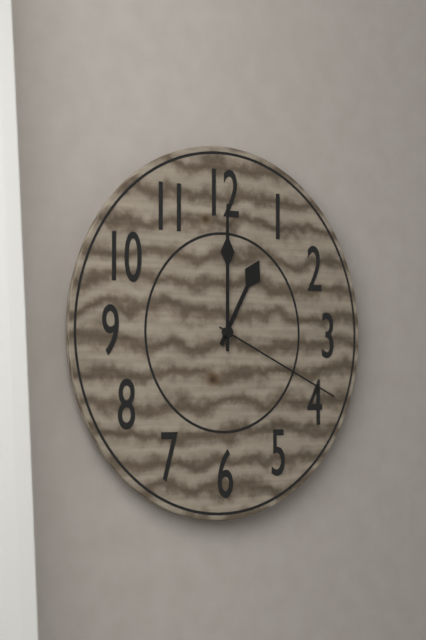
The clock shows 1:00:19
